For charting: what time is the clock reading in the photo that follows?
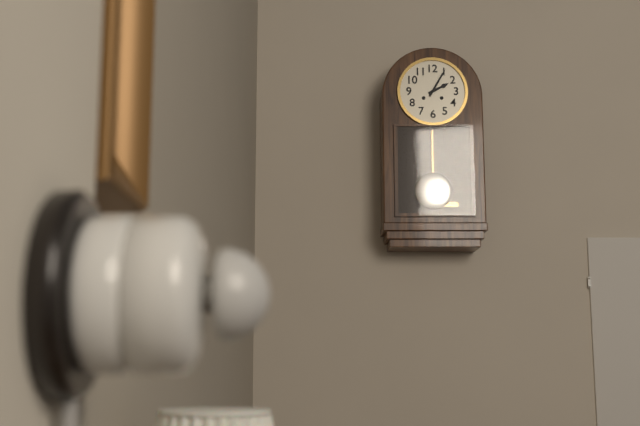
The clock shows 2:05
